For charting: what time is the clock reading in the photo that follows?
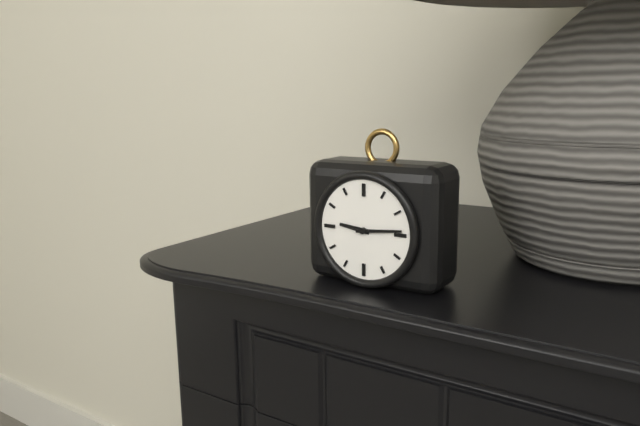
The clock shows 9:14
